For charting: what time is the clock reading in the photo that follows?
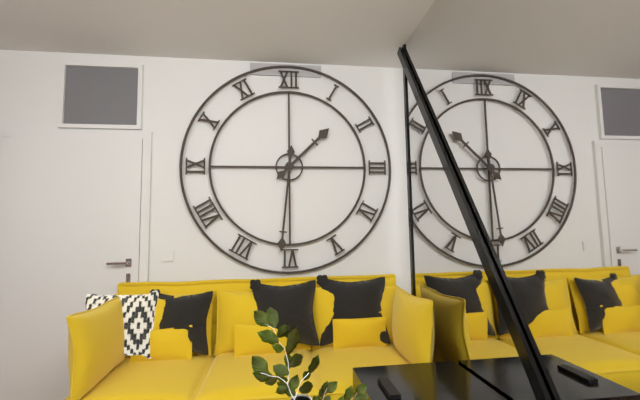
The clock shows 1:31
